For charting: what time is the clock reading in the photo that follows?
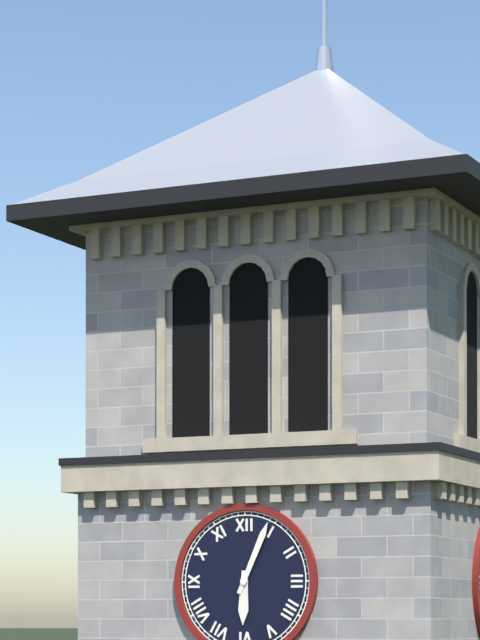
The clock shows 6:04
